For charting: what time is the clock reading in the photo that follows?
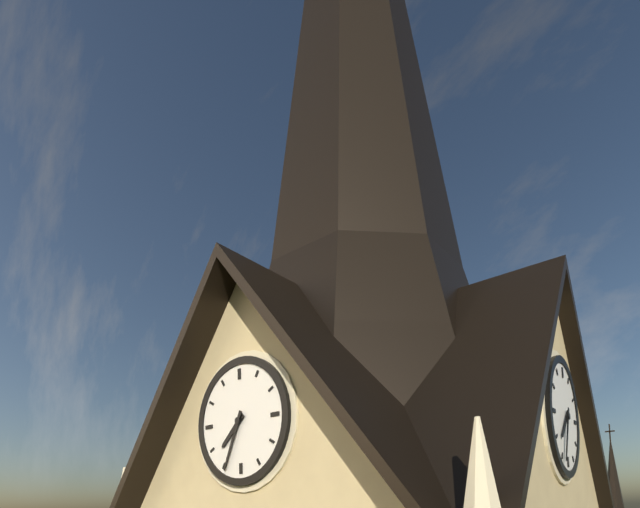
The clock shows 7:34
